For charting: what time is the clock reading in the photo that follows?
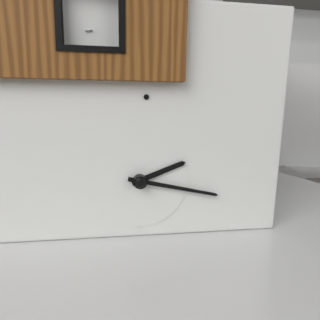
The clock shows 2:17
